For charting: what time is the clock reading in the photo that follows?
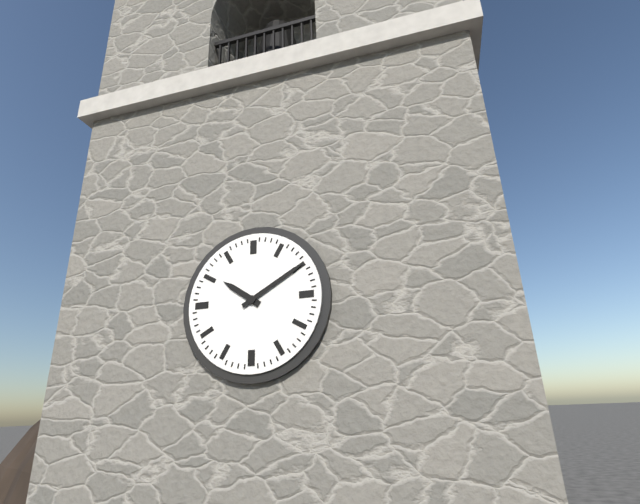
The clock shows 10:10
